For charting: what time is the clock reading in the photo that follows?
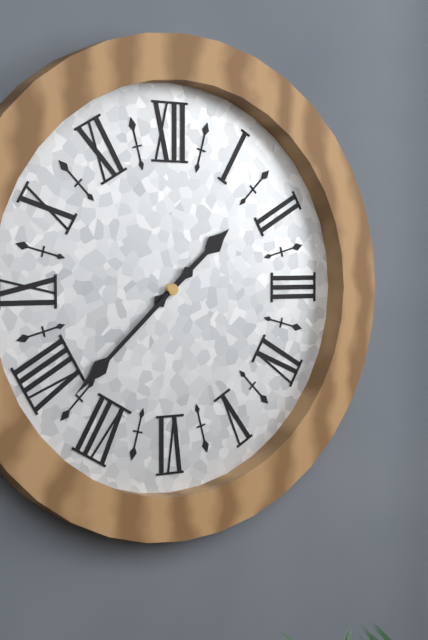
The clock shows 1:38
